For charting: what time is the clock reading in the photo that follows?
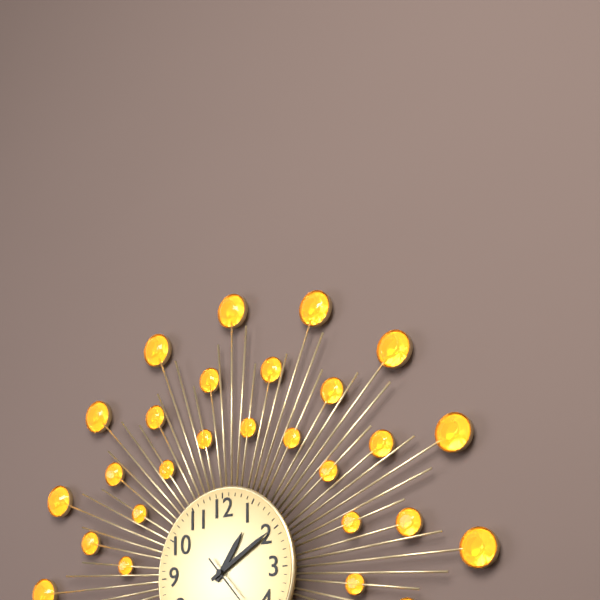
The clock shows 1:10
